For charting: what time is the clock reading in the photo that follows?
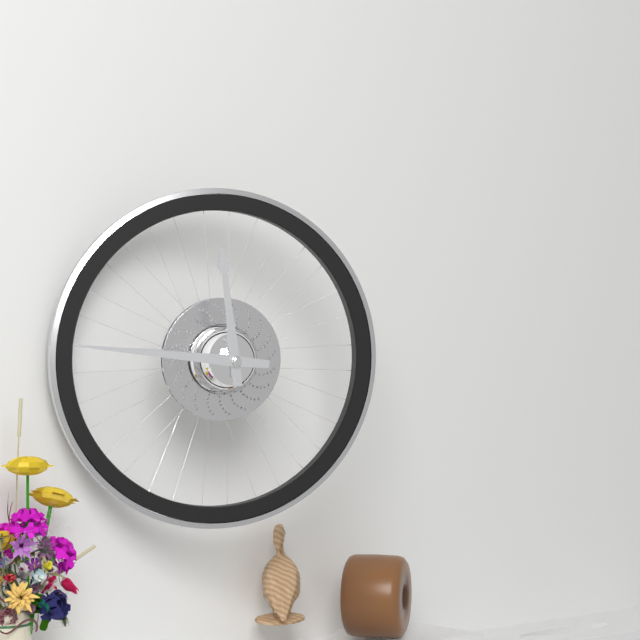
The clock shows 11:46
